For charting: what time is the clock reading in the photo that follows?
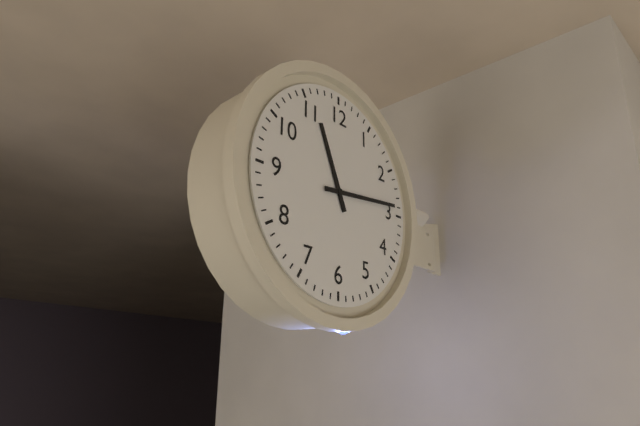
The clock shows 11:14
